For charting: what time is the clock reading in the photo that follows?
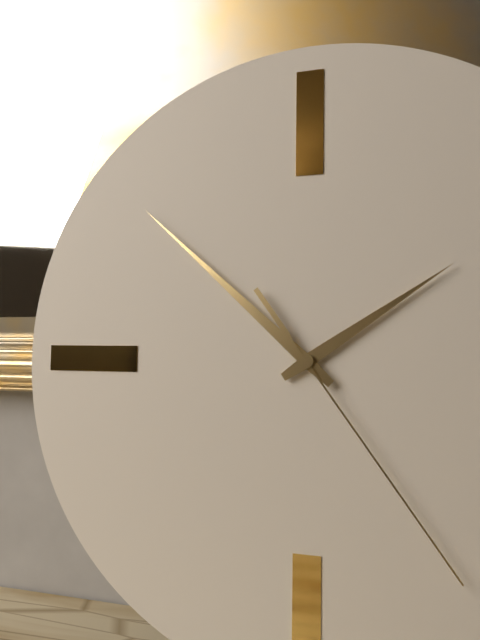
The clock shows 1:52:24
